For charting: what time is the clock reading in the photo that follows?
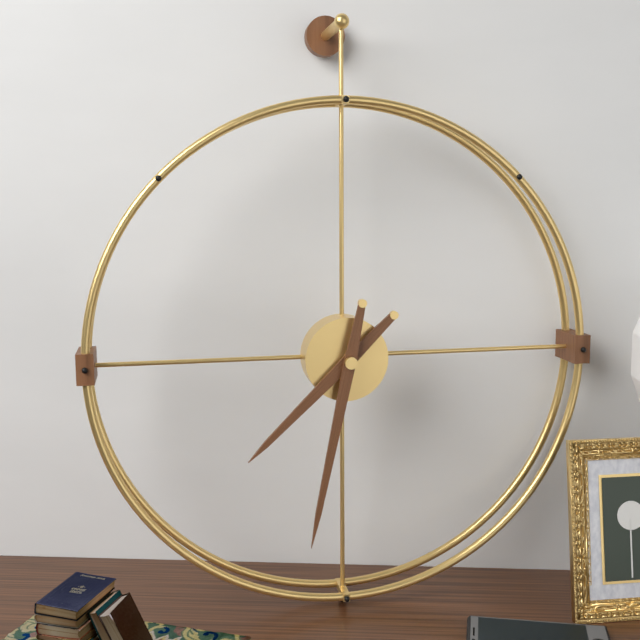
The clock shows 7:32
